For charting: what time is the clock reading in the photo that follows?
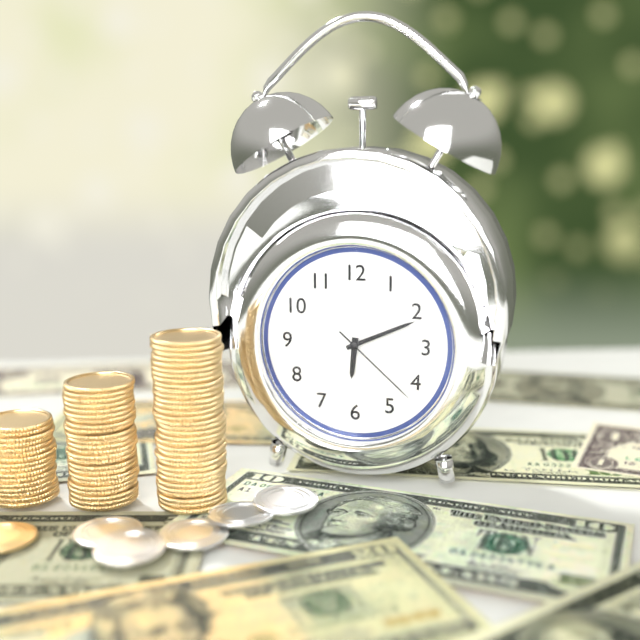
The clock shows 6:11:22
